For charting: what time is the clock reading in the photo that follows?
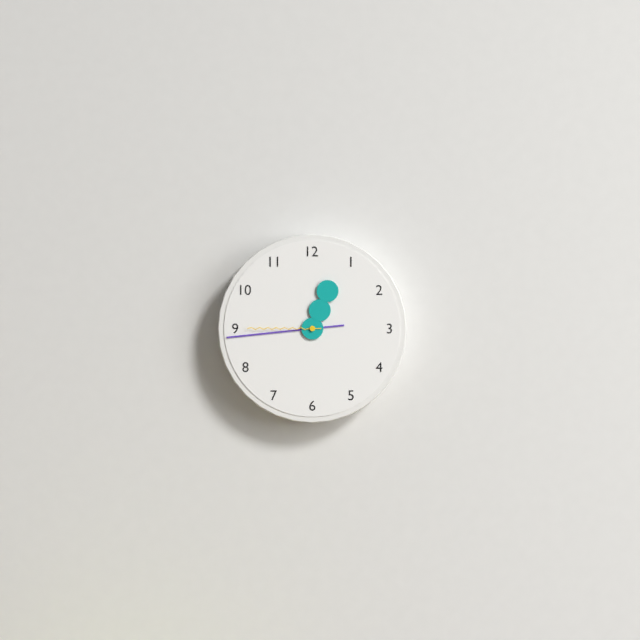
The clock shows 12:44:45
